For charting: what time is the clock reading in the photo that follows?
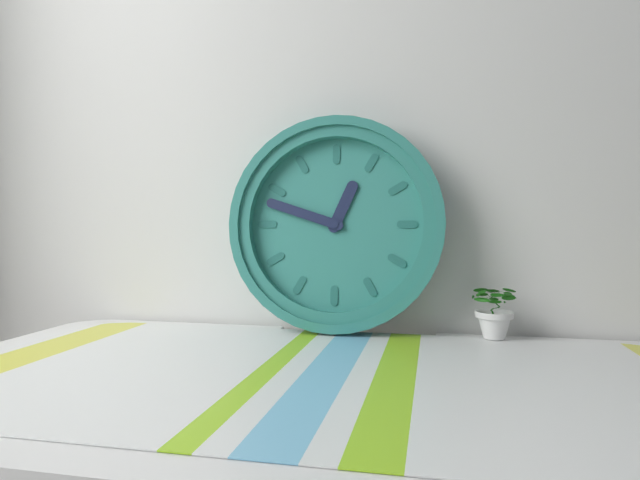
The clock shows 12:48
